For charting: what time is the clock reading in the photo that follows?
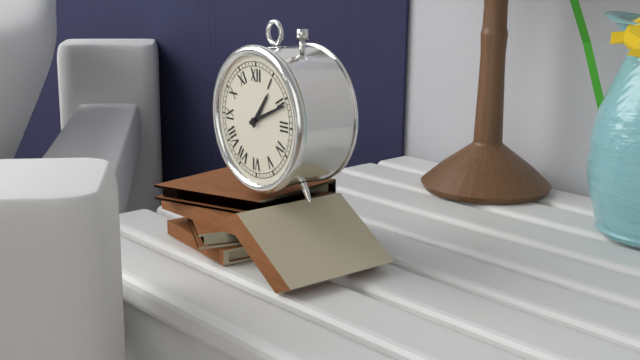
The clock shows 1:11
